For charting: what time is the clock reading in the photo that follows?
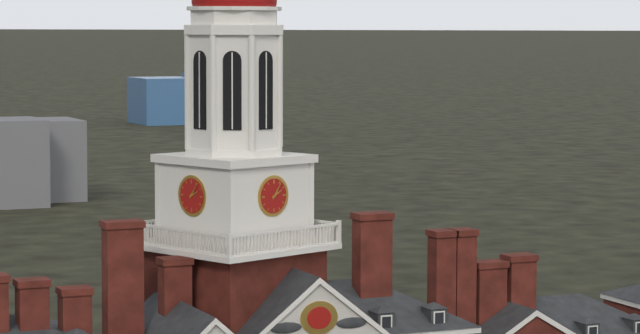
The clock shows 2:06
